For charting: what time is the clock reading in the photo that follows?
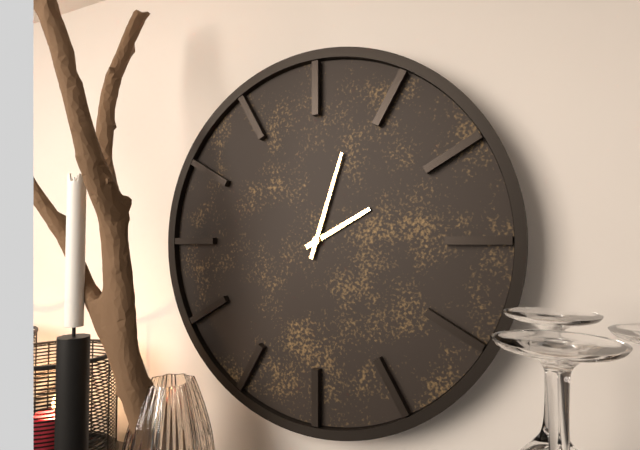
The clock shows 2:03
